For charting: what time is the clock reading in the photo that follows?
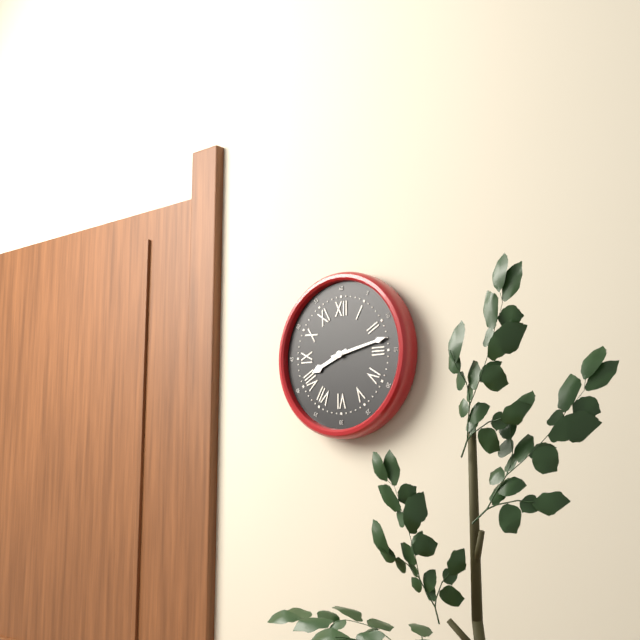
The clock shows 8:13
